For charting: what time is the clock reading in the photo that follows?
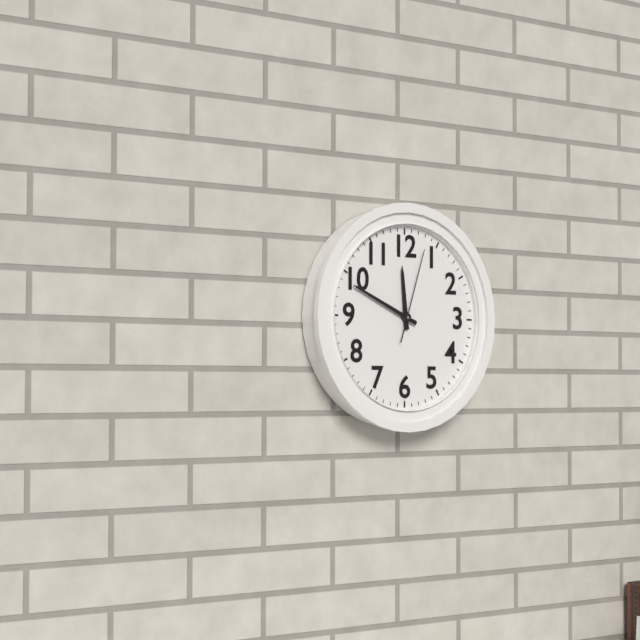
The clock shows 11:49:03
